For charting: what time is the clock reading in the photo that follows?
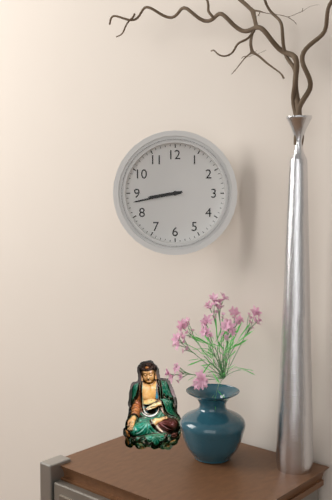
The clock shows 8:43
